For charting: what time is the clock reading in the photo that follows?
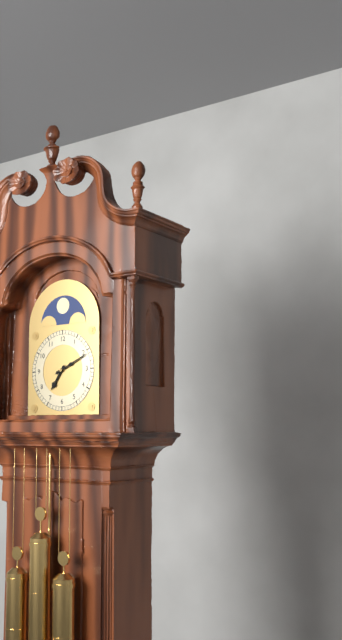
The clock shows 7:11
